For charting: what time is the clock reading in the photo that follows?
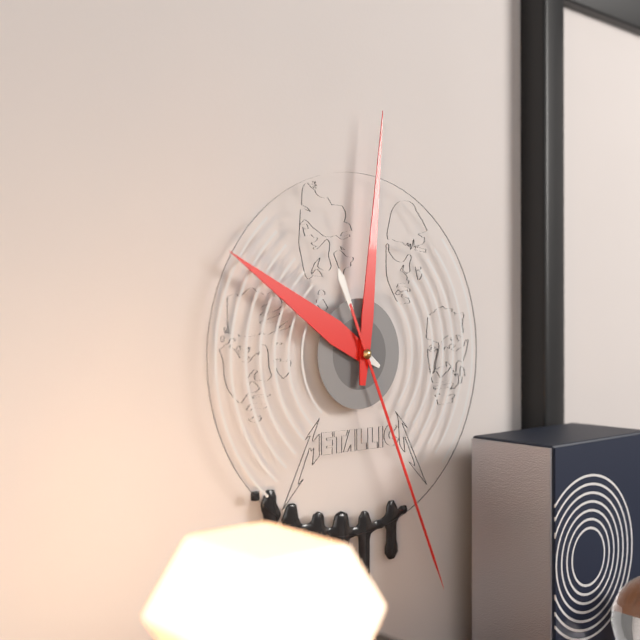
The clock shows 10:01:26
